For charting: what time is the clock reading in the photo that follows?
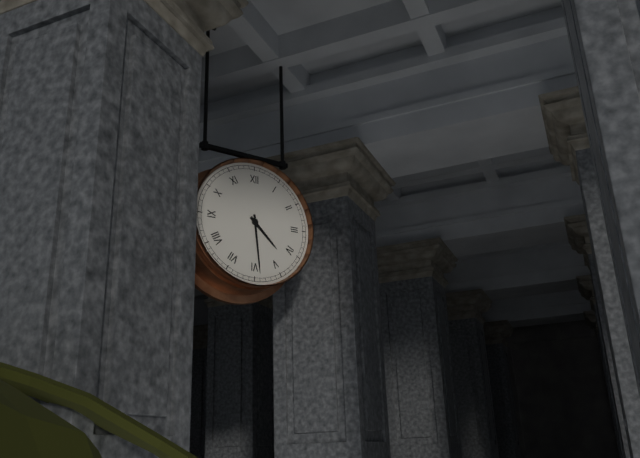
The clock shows 4:29
